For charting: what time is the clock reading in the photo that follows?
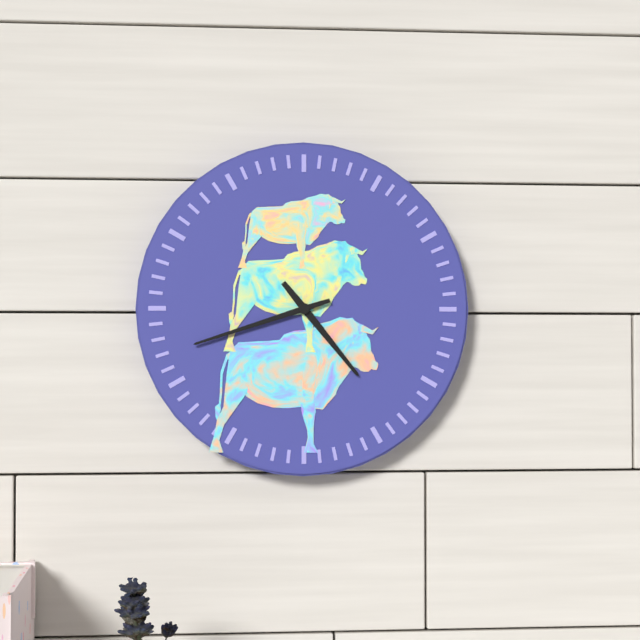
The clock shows 4:42
